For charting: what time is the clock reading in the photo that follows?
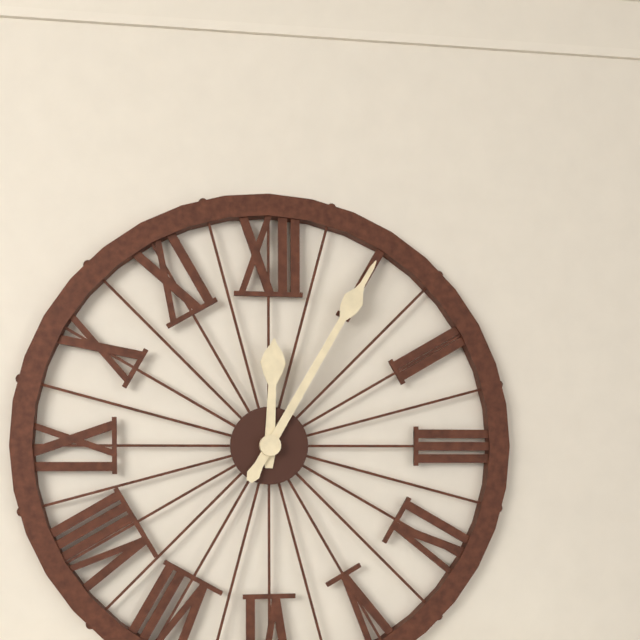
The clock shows 12:05
